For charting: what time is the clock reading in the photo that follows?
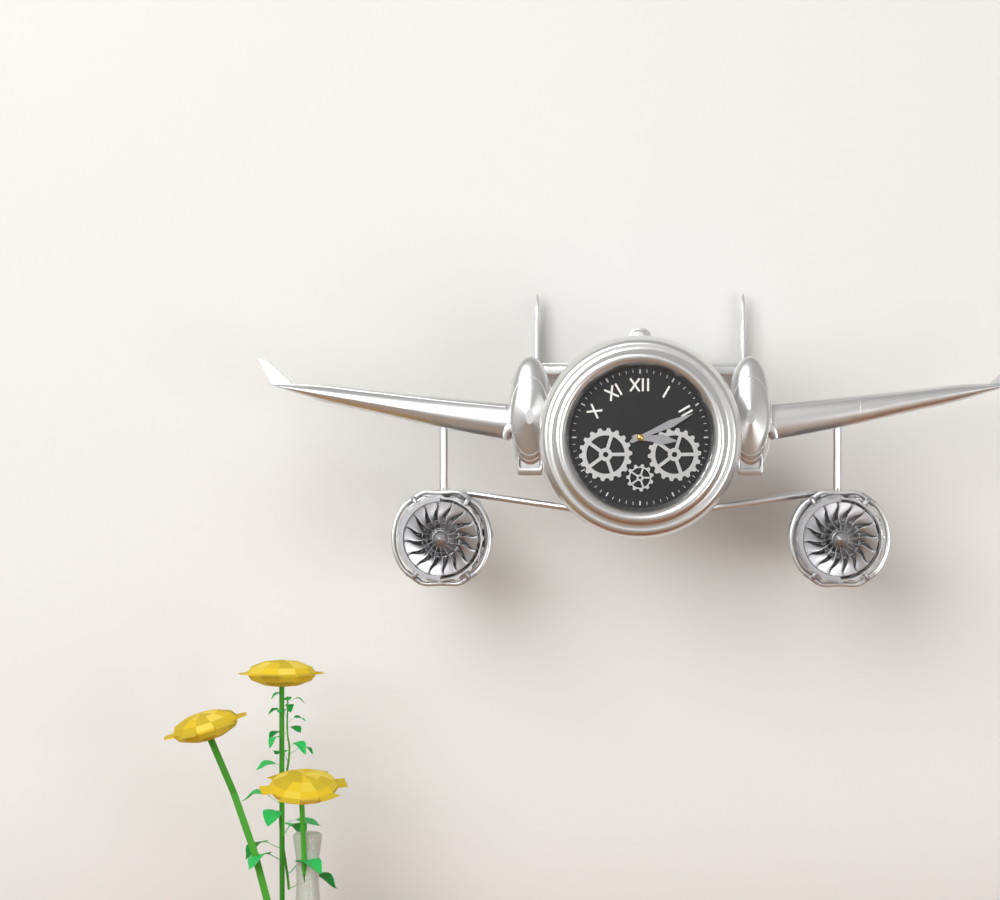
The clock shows 3:11
